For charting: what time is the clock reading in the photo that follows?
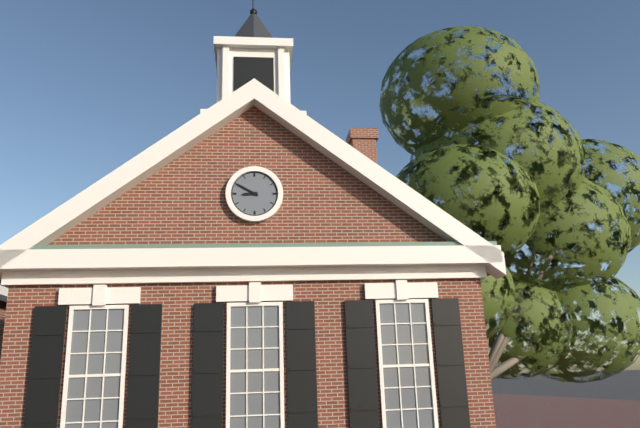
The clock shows 8:50
